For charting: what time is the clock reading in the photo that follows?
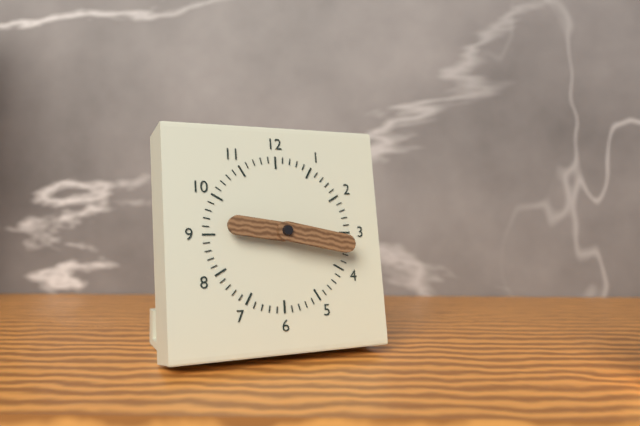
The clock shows 9:17
